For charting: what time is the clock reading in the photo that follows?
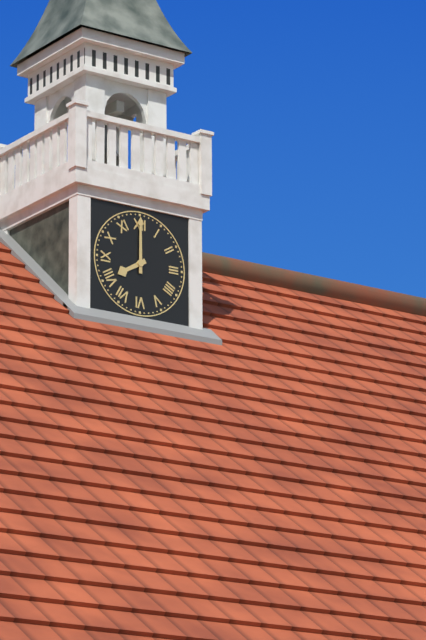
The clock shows 8:00
